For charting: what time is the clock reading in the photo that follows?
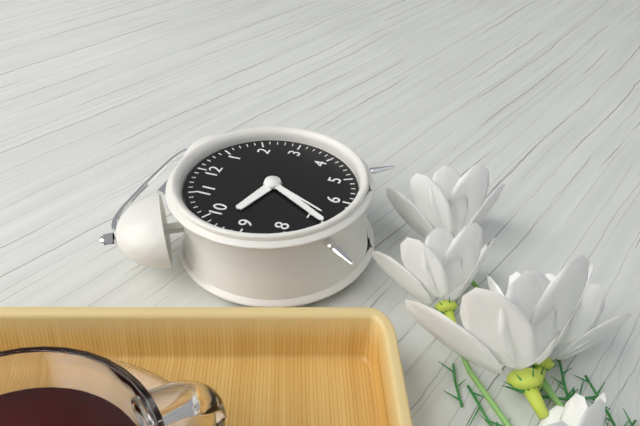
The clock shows 9:35:34
